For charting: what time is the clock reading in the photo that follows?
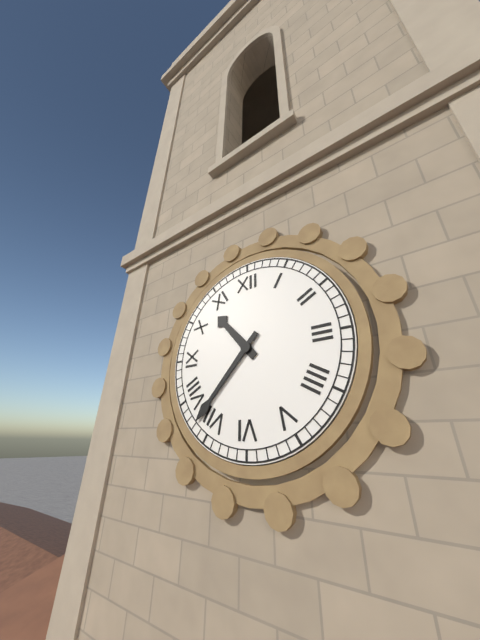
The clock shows 10:37
